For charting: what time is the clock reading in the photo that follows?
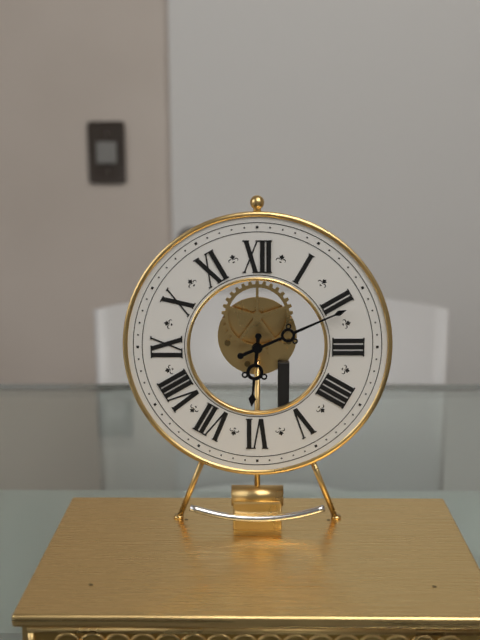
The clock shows 6:11
